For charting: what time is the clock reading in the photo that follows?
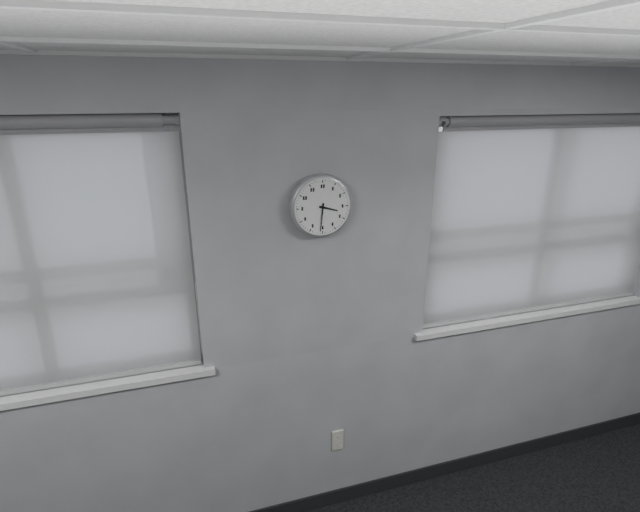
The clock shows 3:31
